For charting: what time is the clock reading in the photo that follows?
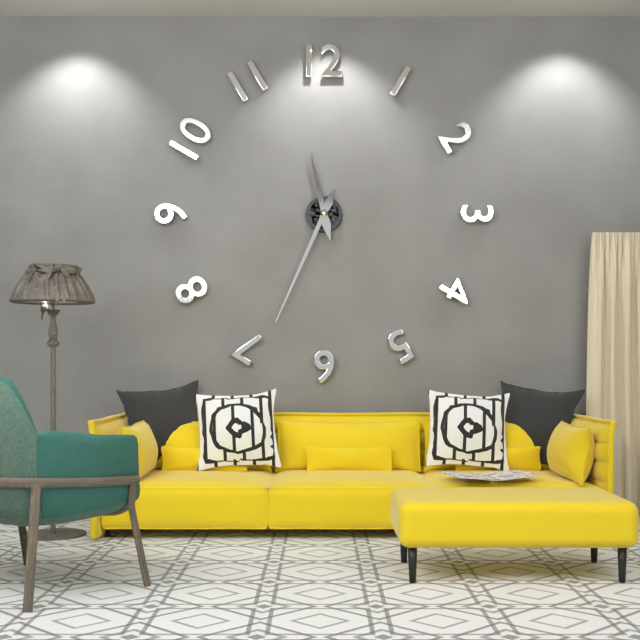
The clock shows 11:34
